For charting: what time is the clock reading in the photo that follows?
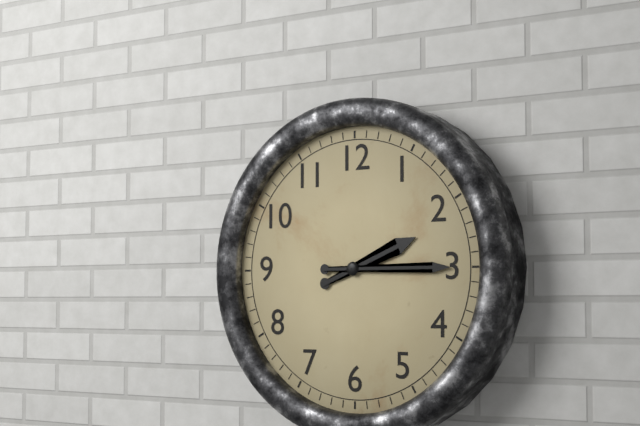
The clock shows 2:15
